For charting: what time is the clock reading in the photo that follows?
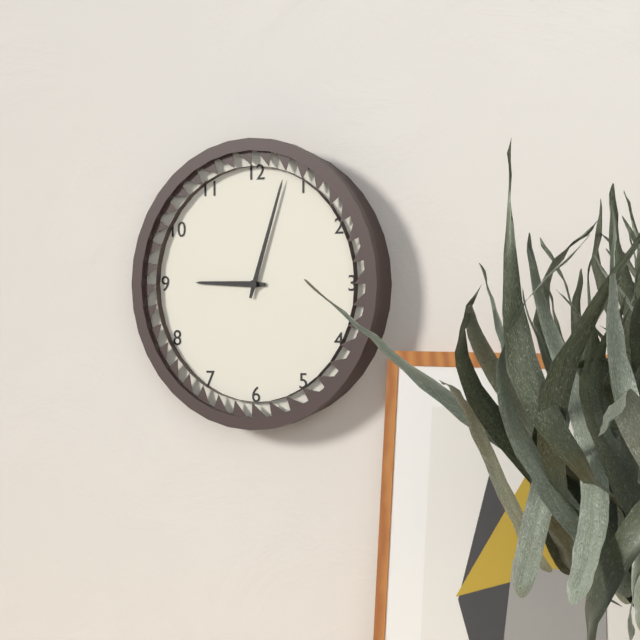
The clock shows 9:03
